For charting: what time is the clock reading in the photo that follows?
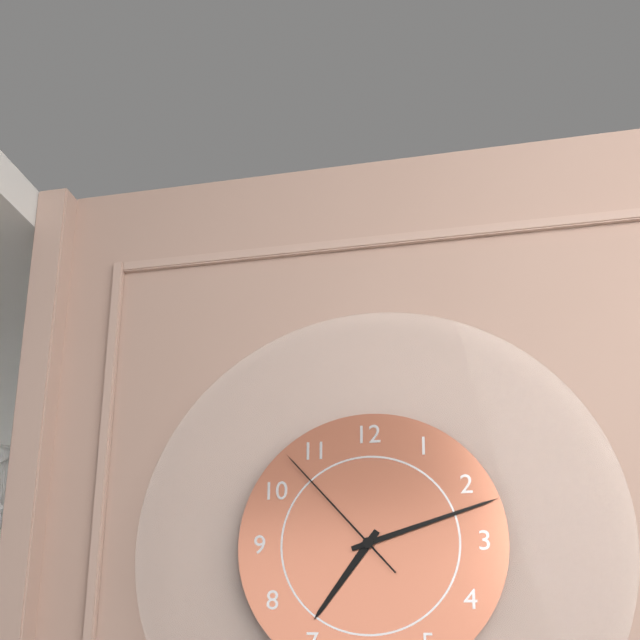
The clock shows 7:12:53
